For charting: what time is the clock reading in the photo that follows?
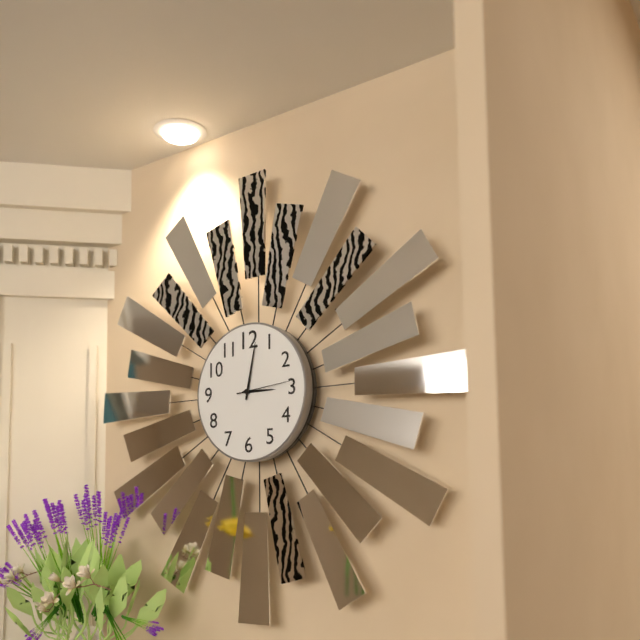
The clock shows 3:02:14
